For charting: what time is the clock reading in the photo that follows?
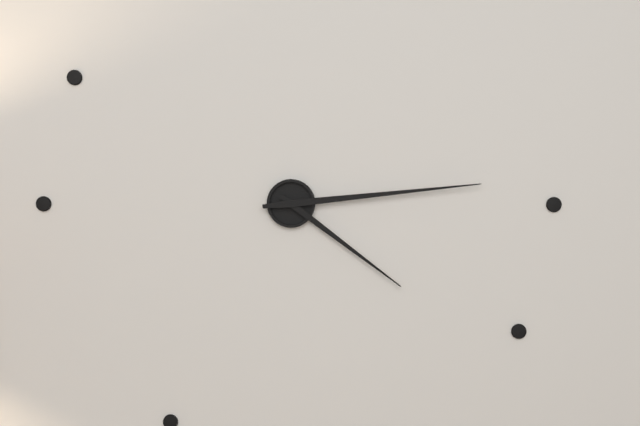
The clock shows 4:14
